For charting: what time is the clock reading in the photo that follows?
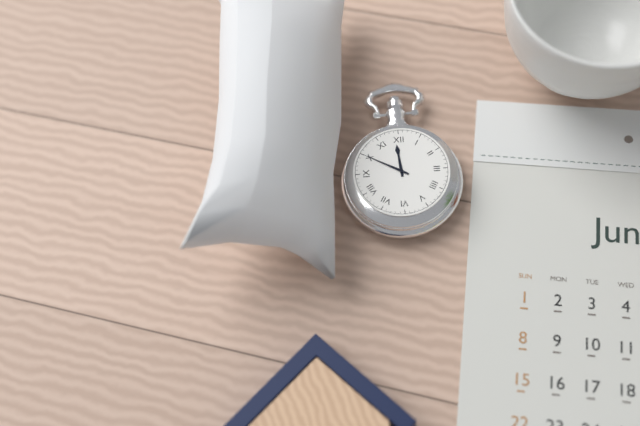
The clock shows 11:50
